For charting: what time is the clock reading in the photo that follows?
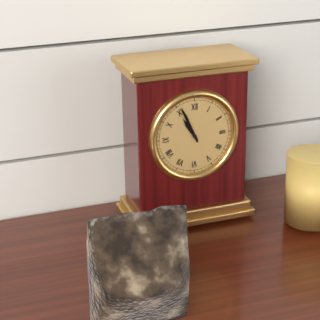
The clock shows 10:56
